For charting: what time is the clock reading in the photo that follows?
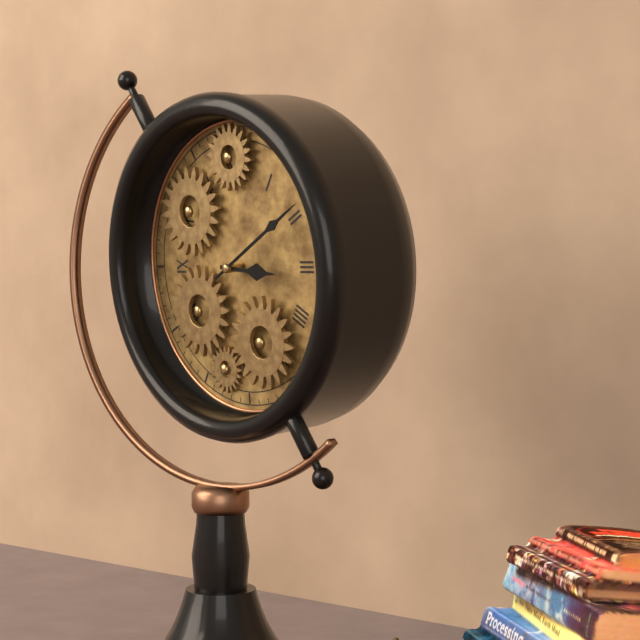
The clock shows 3:10
